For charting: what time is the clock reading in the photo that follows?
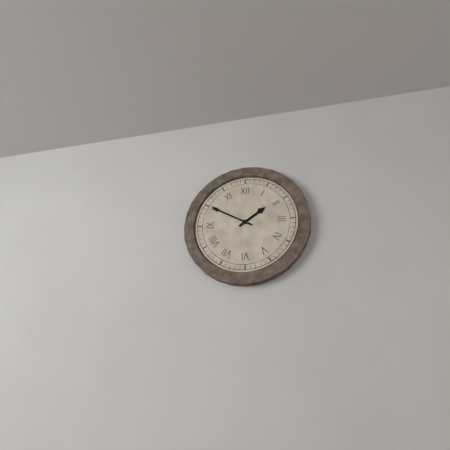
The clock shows 1:50
